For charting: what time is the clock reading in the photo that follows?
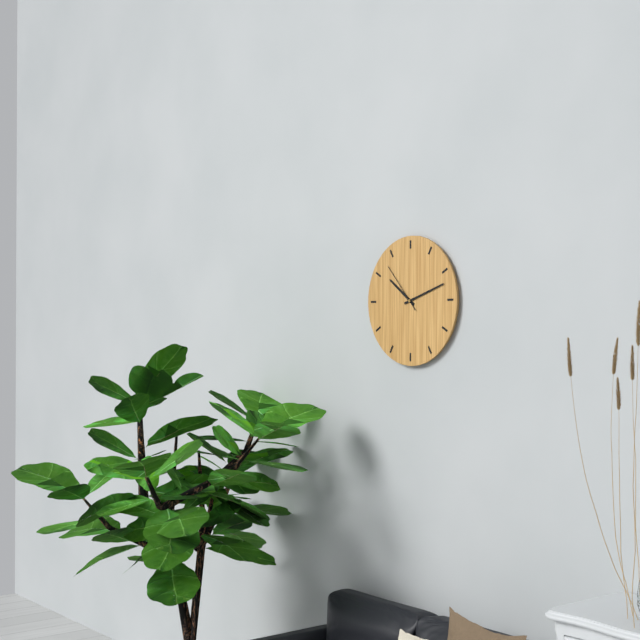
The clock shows 10:12:53
